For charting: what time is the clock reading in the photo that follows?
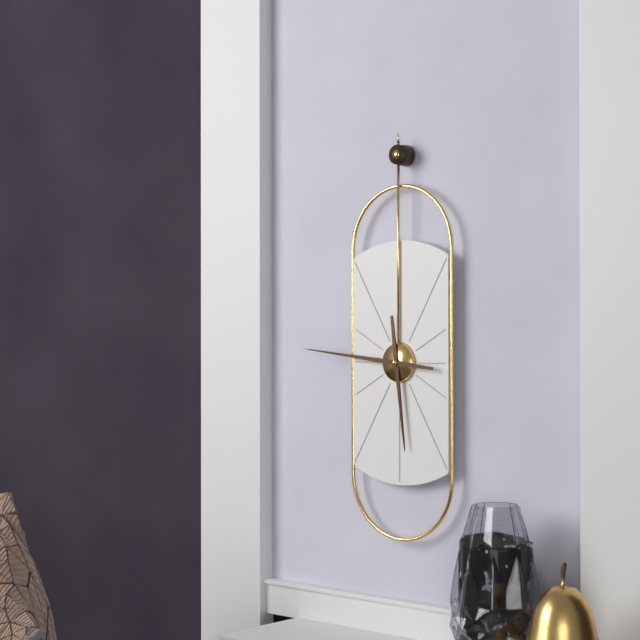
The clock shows 5:46
